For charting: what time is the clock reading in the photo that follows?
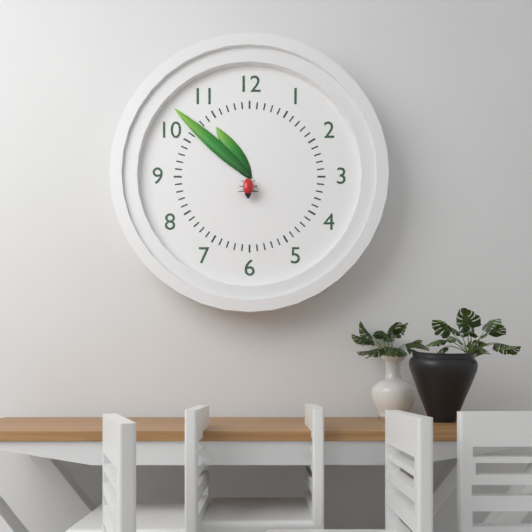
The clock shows 10:52
